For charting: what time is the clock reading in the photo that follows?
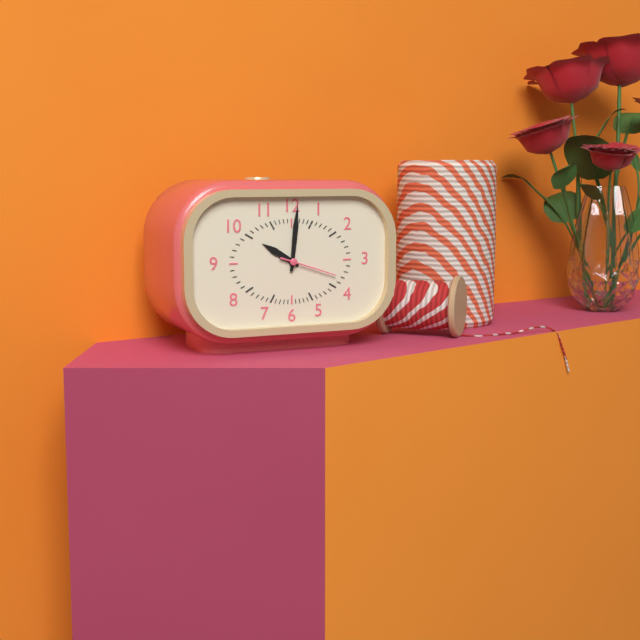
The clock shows 10:01:18
